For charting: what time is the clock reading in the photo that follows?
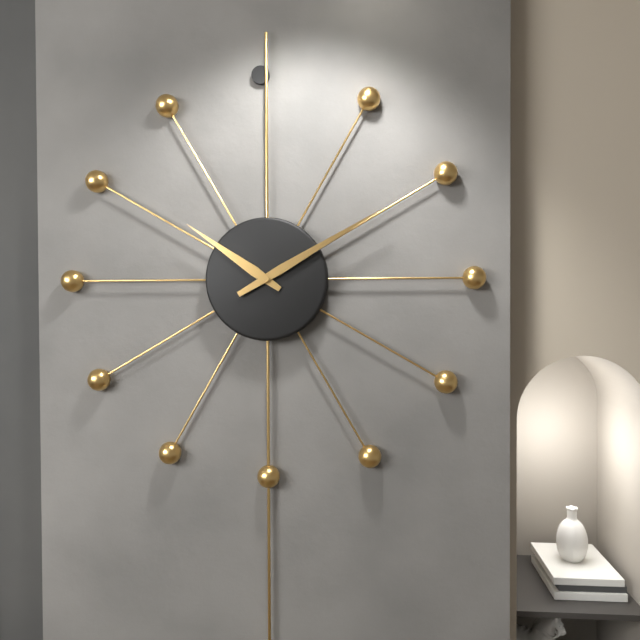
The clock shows 10:10
